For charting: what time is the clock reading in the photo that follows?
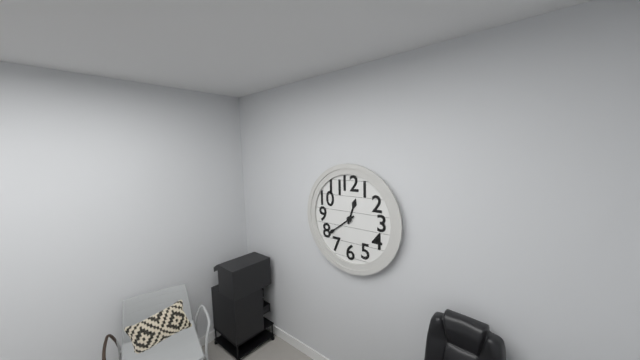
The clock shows 12:39
